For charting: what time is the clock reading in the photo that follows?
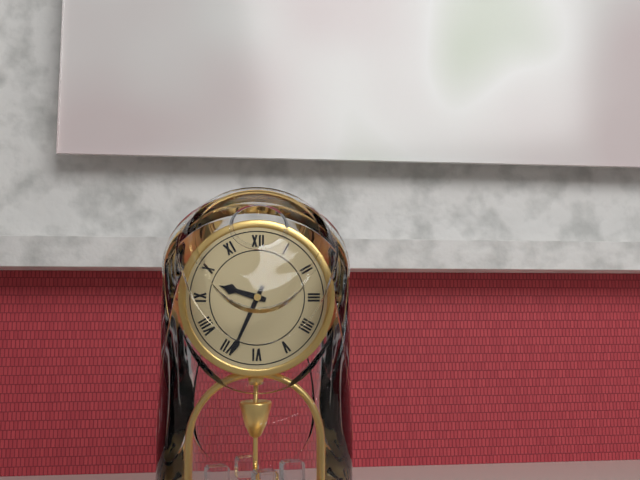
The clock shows 9:34
